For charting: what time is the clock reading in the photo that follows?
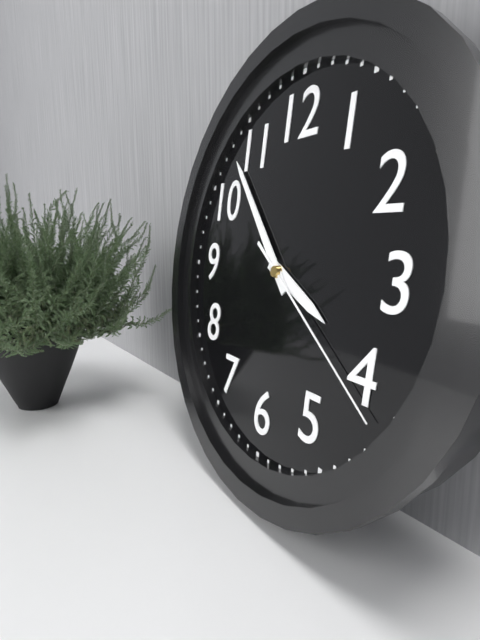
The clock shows 3:53:21
